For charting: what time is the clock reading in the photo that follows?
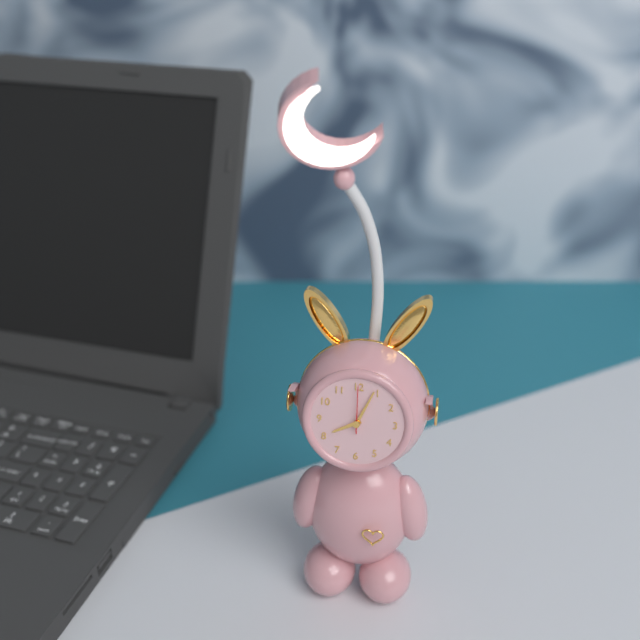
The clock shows 8:04
